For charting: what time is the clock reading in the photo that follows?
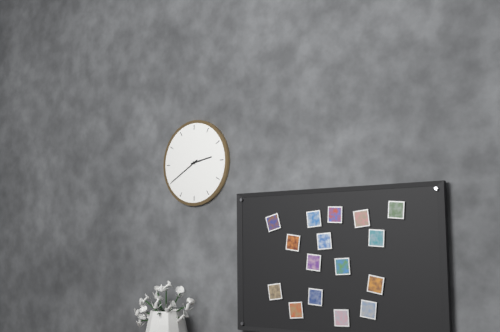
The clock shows 2:40
